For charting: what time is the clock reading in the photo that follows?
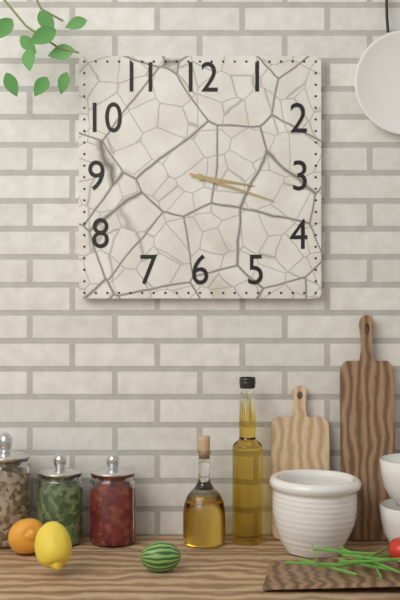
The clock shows 3:18
